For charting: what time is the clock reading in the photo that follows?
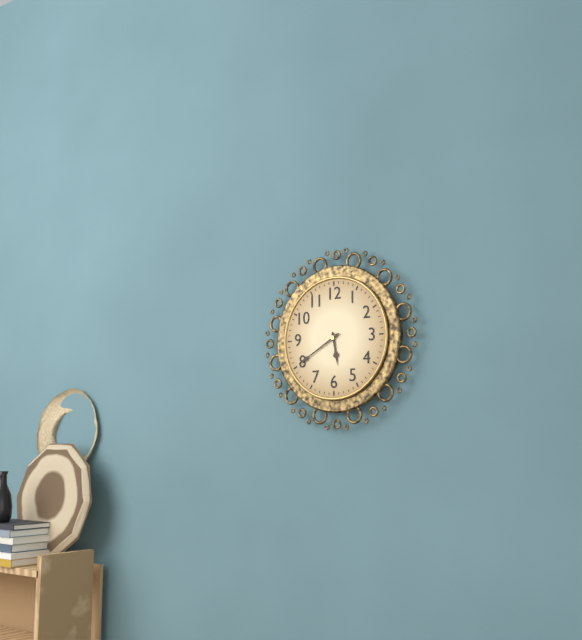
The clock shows 5:40
